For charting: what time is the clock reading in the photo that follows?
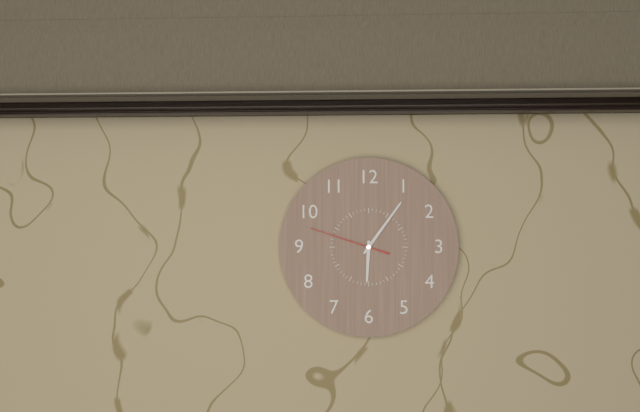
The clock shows 6:06:48
